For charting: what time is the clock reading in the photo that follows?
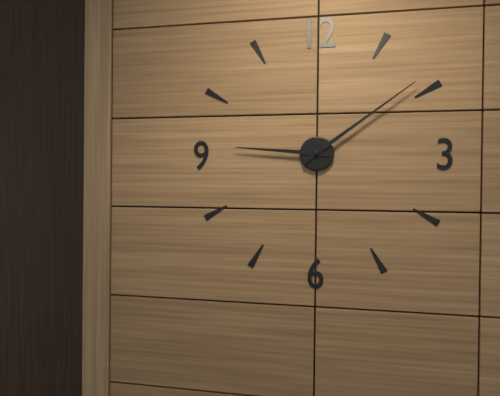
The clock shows 9:09
